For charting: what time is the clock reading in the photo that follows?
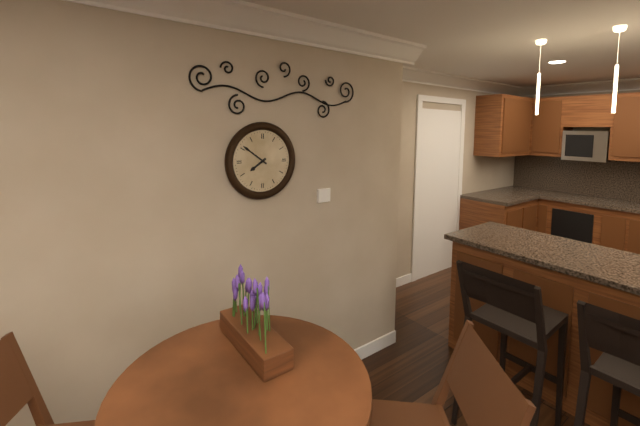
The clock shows 7:51
